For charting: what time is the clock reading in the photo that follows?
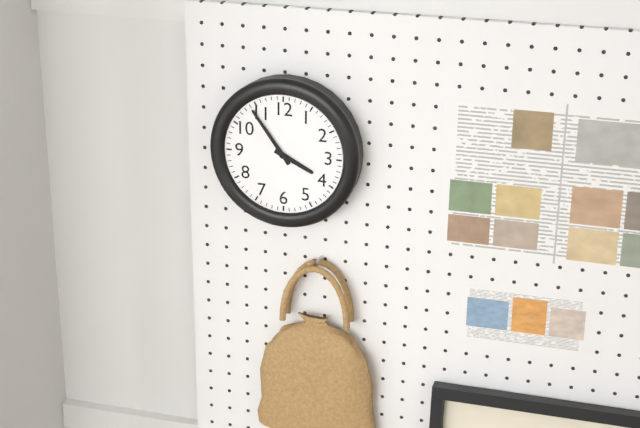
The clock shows 3:54
